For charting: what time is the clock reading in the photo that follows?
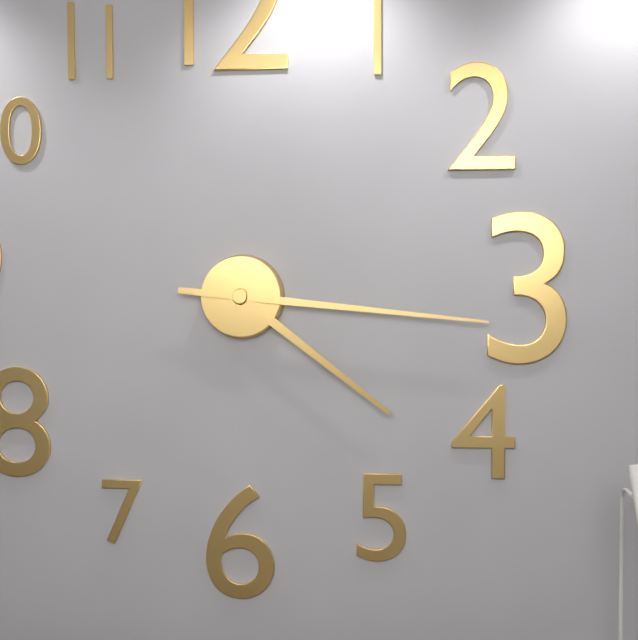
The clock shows 4:16
